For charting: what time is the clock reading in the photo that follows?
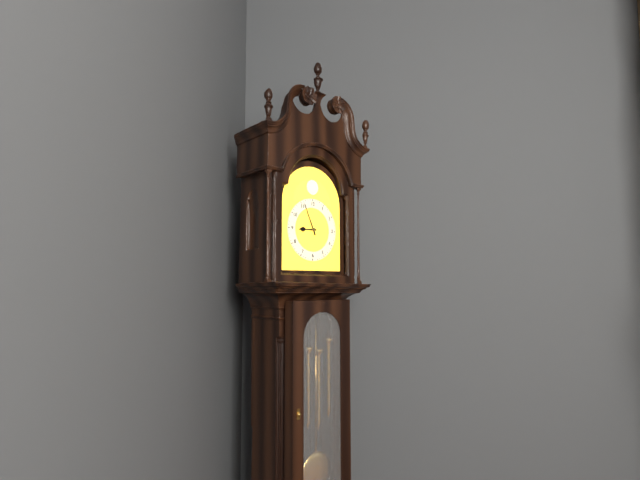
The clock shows 8:56
